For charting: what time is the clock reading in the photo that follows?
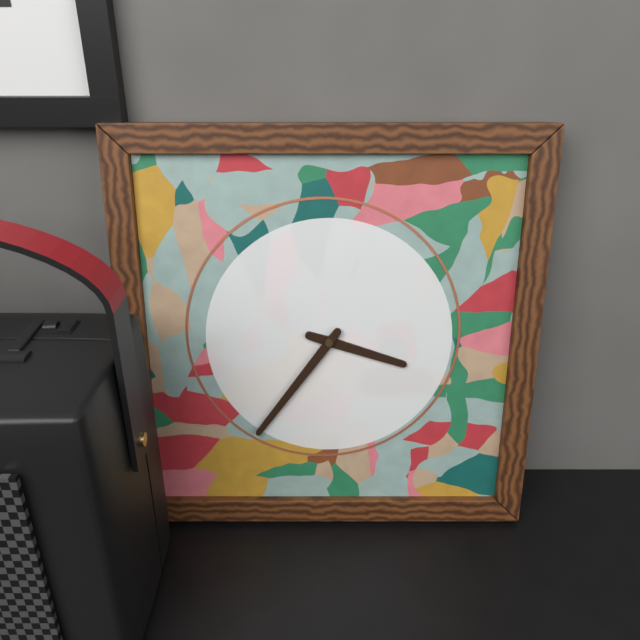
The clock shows 3:36
